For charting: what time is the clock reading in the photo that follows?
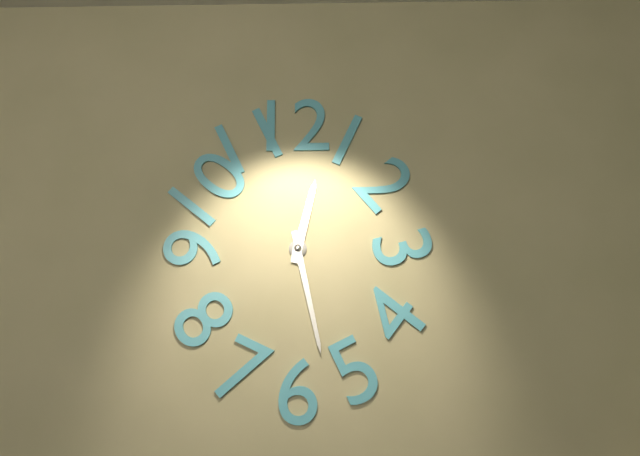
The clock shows 12:28
